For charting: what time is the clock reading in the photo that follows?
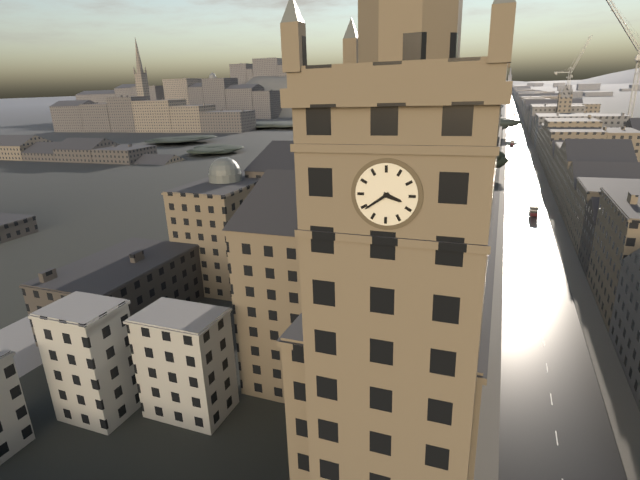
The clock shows 3:39
